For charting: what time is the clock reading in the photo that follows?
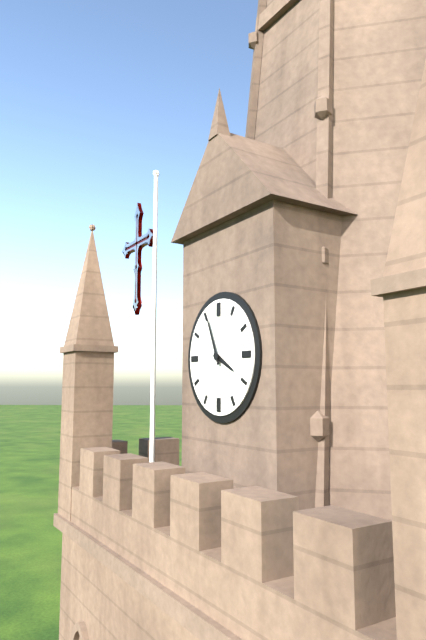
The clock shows 3:56
